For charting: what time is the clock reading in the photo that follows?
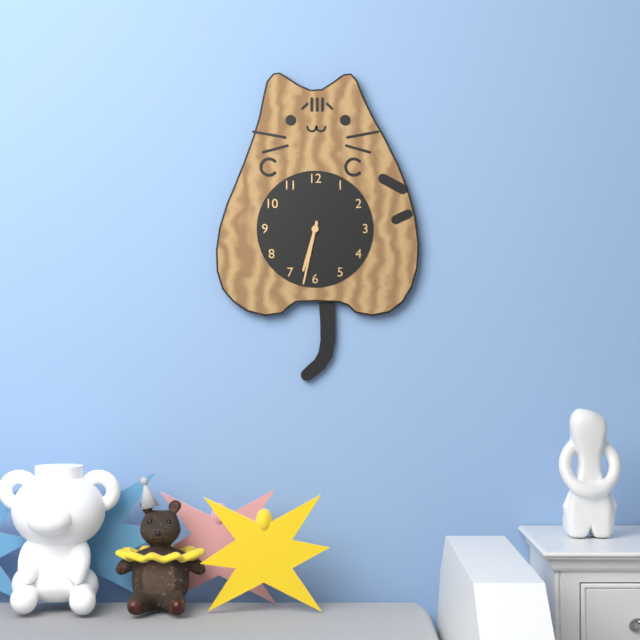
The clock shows 6:32
